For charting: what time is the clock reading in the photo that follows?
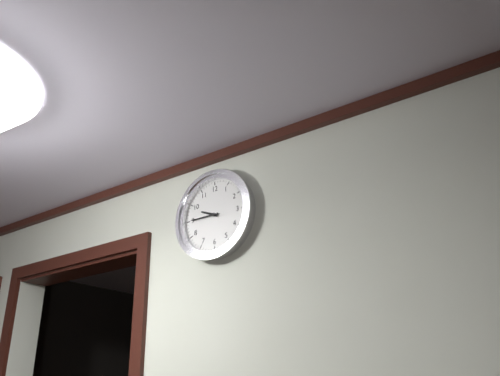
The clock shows 9:45
